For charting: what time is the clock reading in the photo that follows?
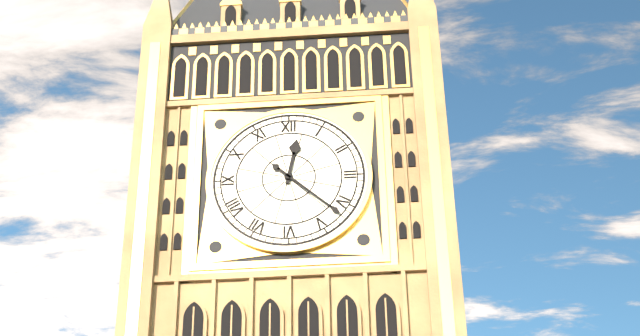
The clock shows 12:22
